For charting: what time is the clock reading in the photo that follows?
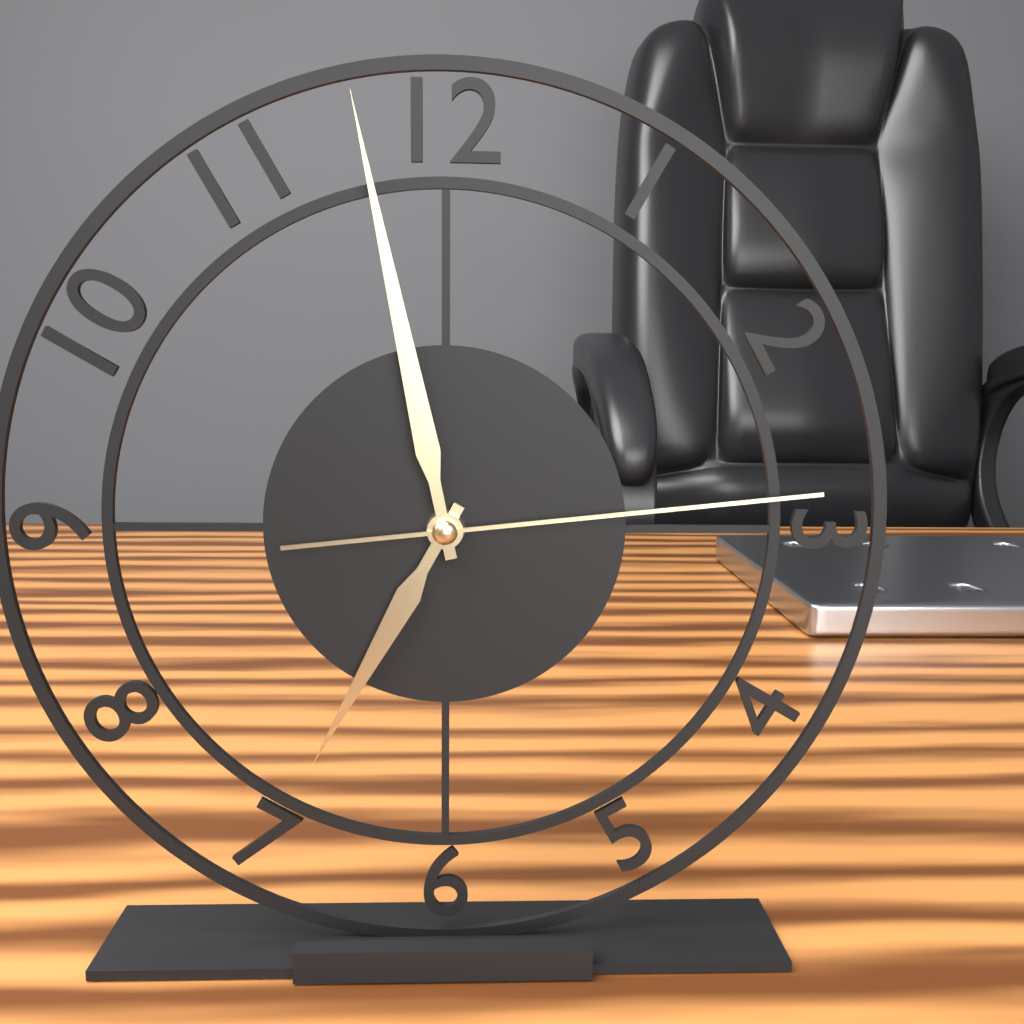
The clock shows 6:58:14
